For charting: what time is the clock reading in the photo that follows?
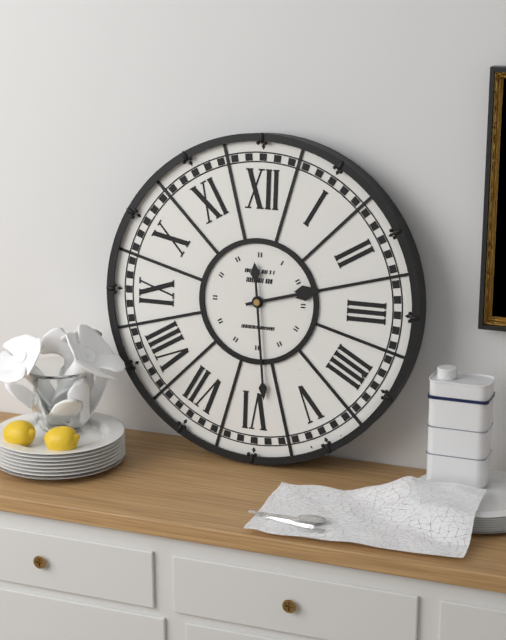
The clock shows 2:29
